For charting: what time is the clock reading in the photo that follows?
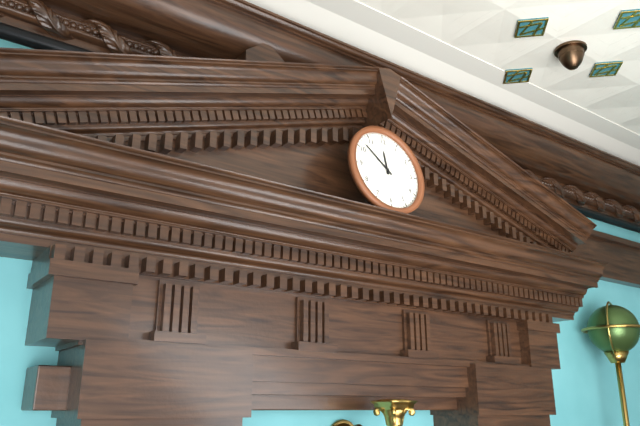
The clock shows 11:52
